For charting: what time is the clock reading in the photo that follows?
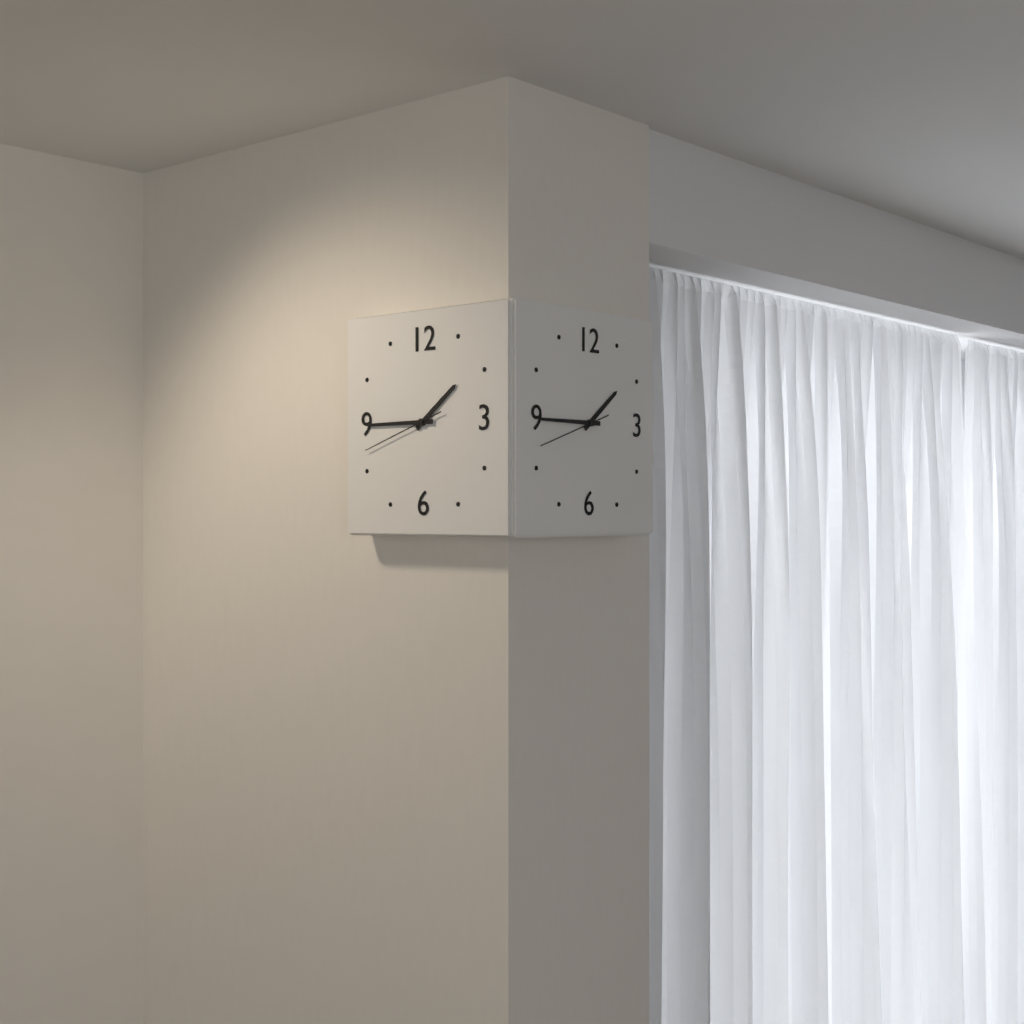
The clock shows 1:45:42
